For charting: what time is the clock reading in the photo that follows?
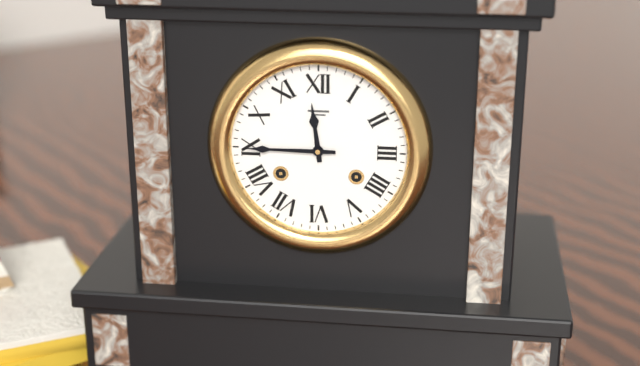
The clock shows 11:45
